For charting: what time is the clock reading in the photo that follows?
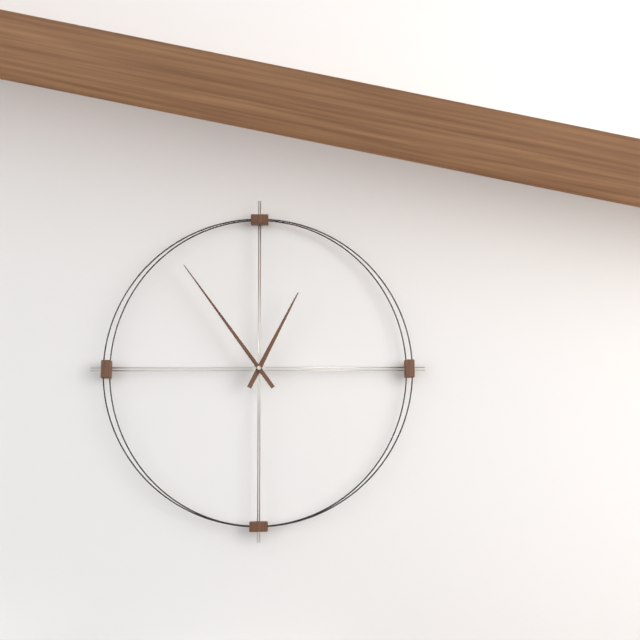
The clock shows 12:54
